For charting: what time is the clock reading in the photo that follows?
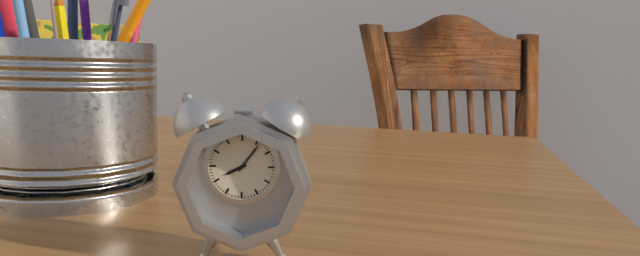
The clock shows 8:06
